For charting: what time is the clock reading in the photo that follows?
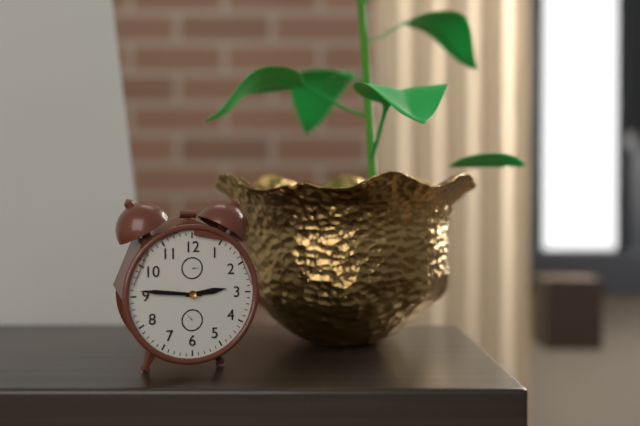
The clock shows 2:46
